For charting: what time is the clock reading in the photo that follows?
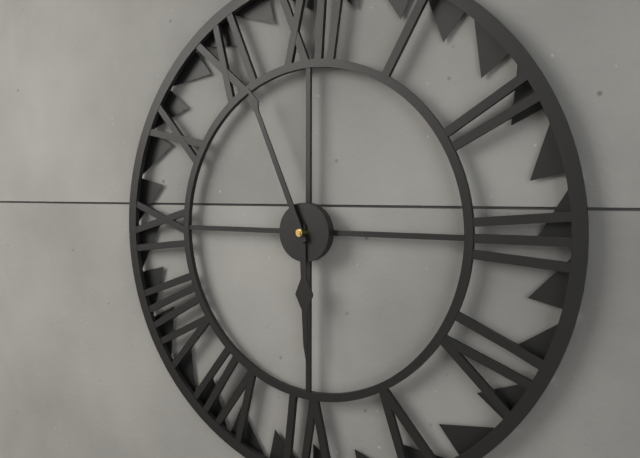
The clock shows 5:56
